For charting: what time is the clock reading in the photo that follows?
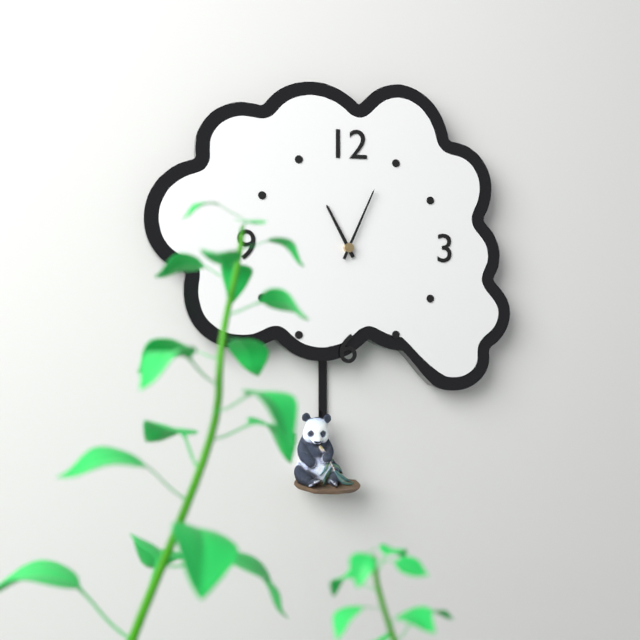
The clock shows 11:04
